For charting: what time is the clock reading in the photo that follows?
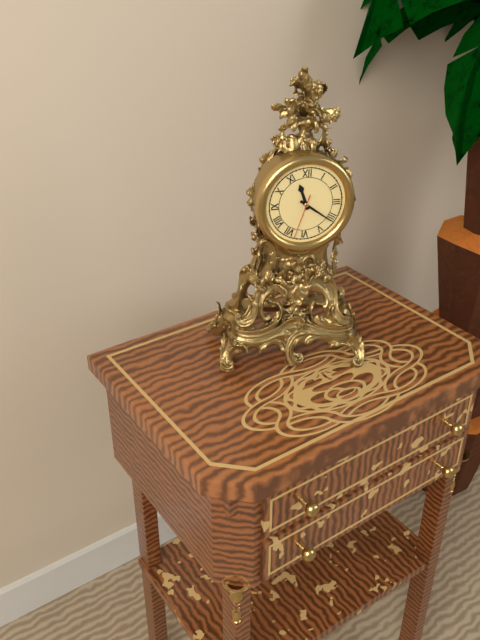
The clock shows 11:21
